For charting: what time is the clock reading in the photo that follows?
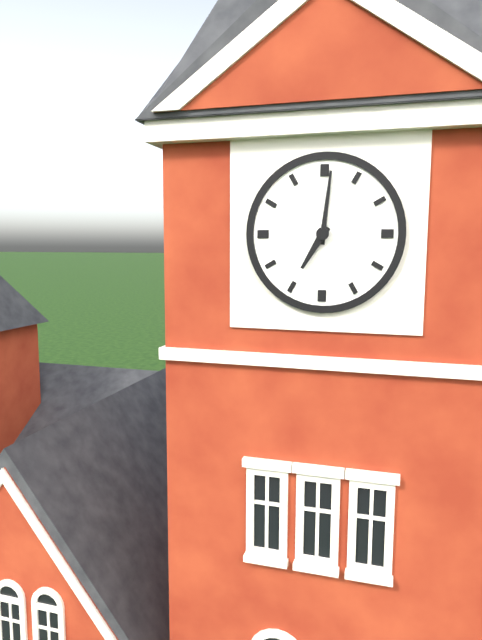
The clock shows 7:01
